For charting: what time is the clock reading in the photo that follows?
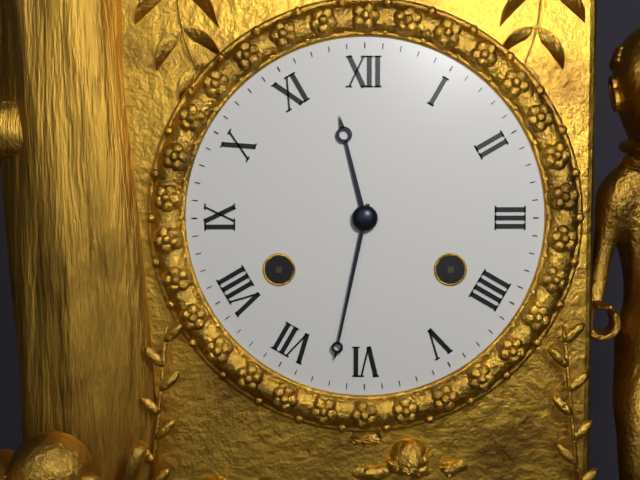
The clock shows 11:32
